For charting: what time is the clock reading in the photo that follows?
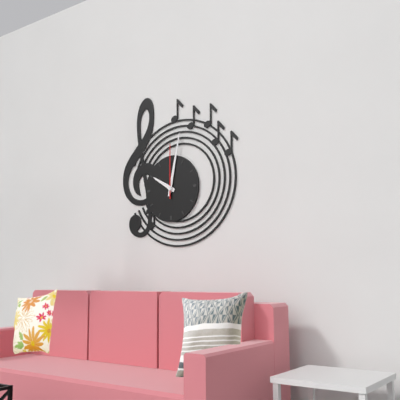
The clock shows 10:02:00
